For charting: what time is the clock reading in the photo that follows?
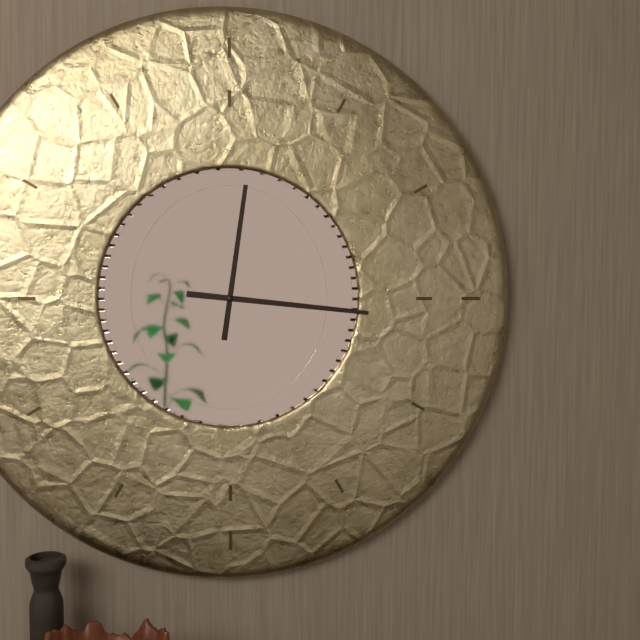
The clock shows 12:16
